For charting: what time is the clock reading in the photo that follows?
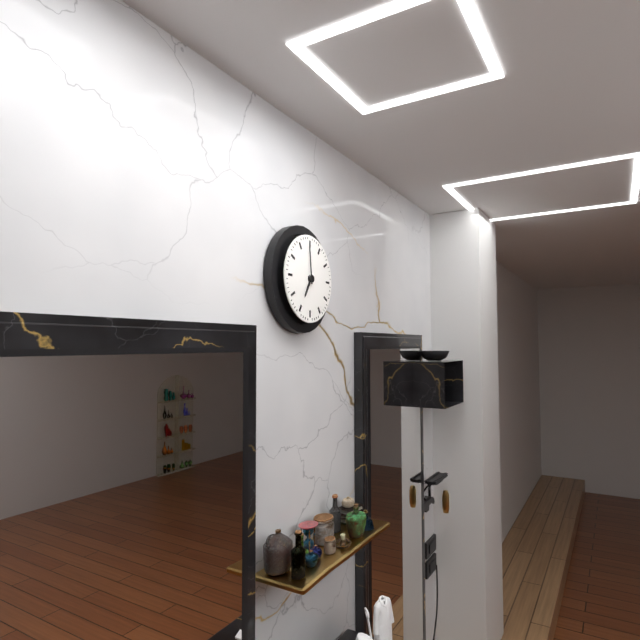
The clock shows 6:59
